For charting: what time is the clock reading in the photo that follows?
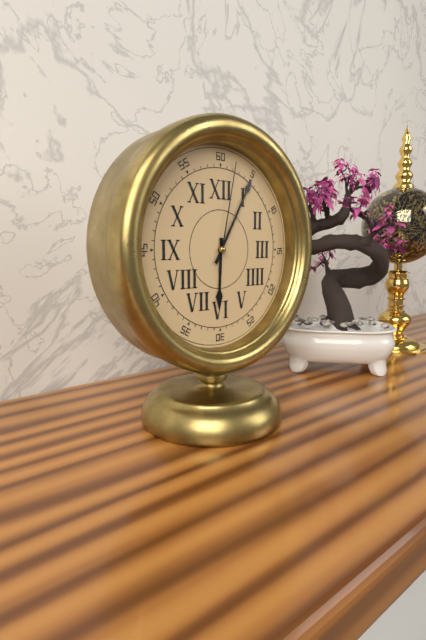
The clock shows 6:05:02
